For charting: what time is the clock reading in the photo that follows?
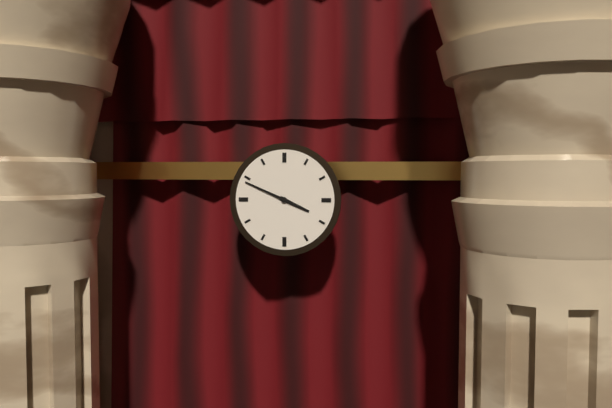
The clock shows 3:49
